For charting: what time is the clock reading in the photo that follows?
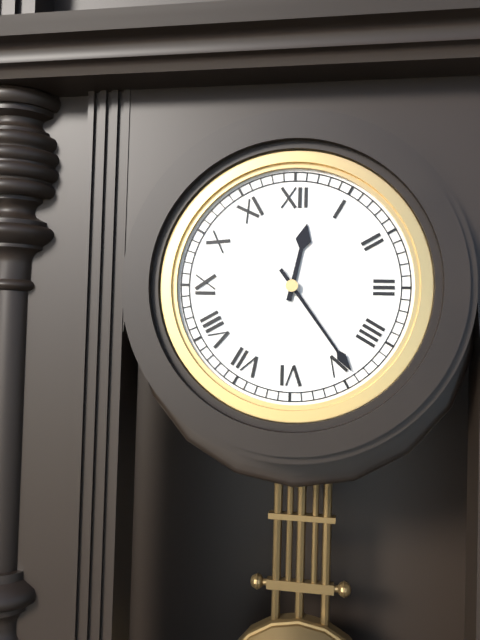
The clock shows 12:24
